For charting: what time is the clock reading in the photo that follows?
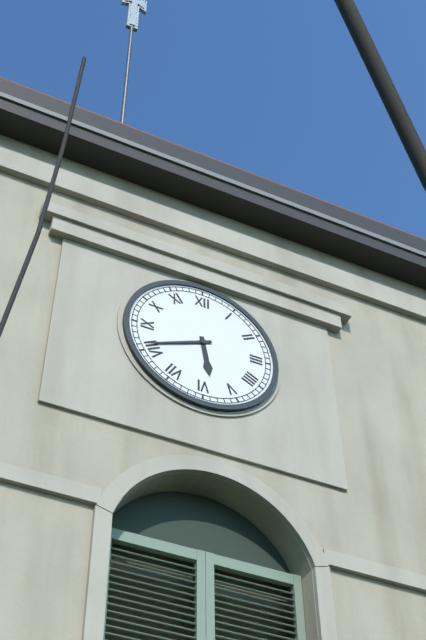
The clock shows 5:41
